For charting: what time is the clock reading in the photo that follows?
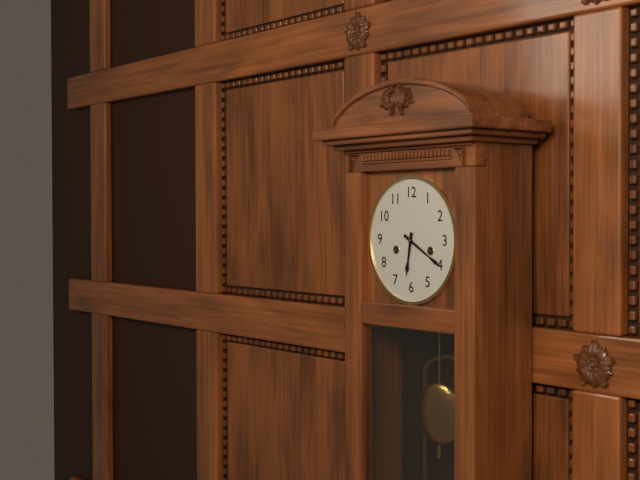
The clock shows 6:20
